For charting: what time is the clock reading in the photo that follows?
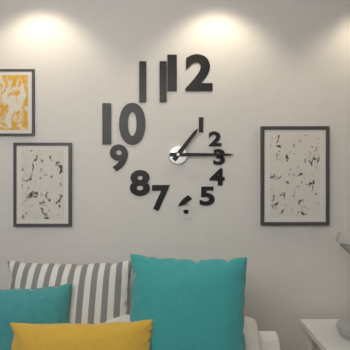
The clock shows 1:15
